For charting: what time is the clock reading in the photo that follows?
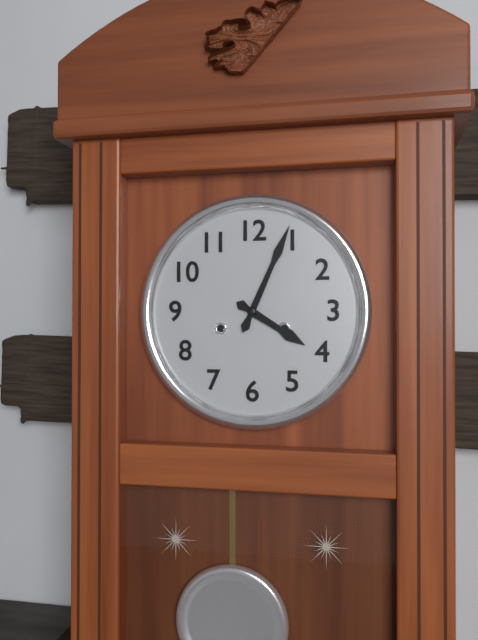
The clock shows 4:04
